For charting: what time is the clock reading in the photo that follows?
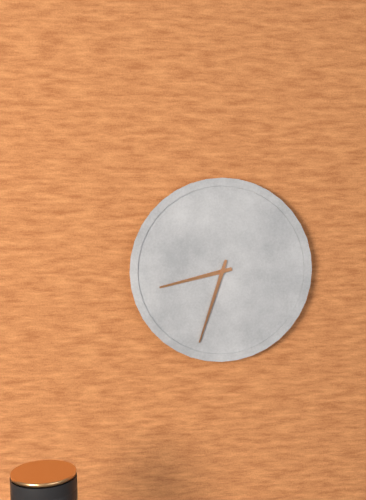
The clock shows 8:33
